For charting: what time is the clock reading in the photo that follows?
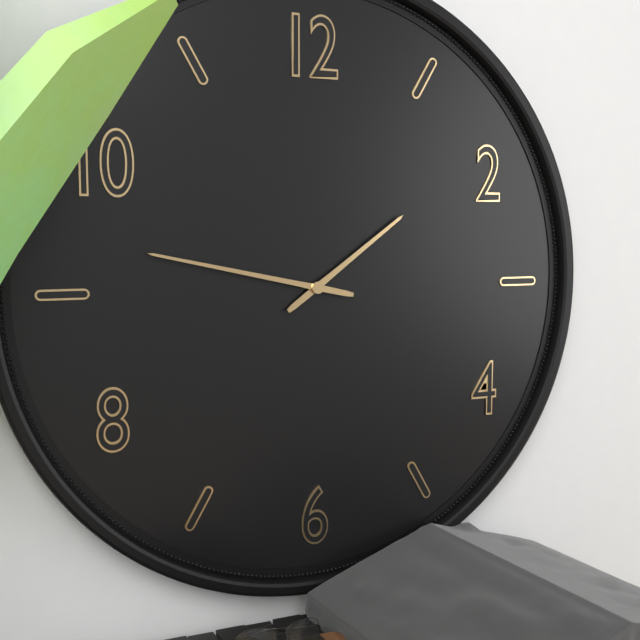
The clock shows 1:47
